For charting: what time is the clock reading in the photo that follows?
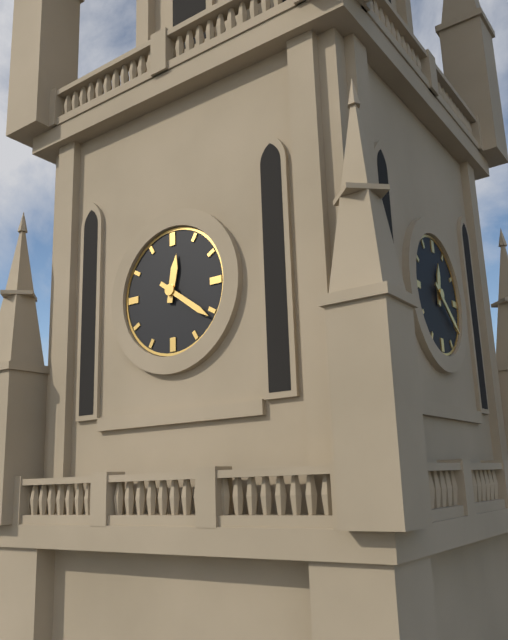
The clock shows 12:21
